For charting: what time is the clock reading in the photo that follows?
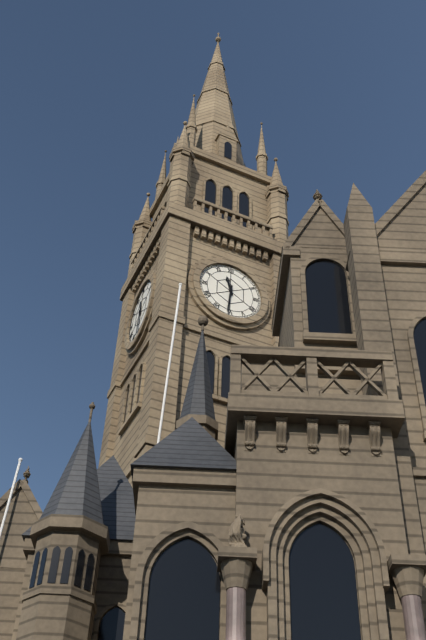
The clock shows 11:31
